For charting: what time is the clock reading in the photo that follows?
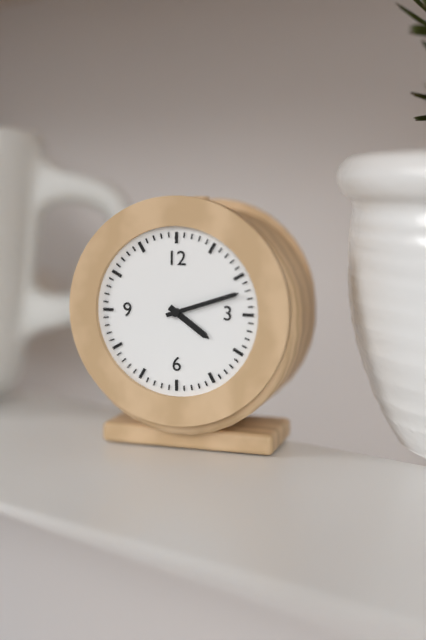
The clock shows 4:12
